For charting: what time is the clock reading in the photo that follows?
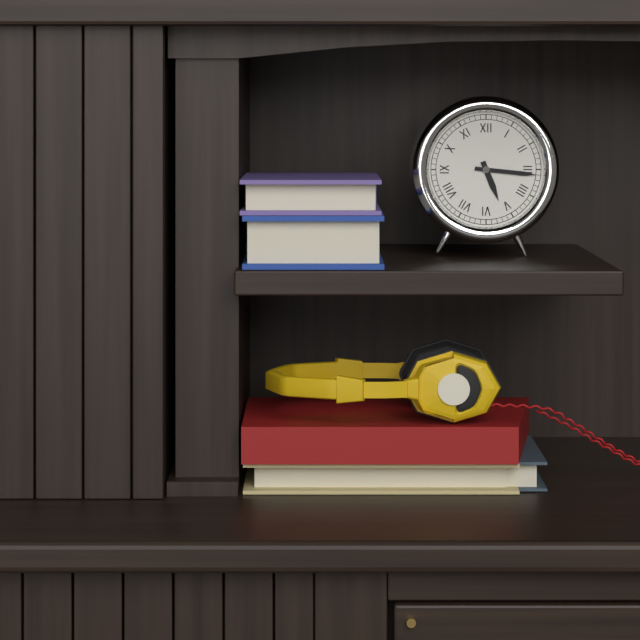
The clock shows 5:16
